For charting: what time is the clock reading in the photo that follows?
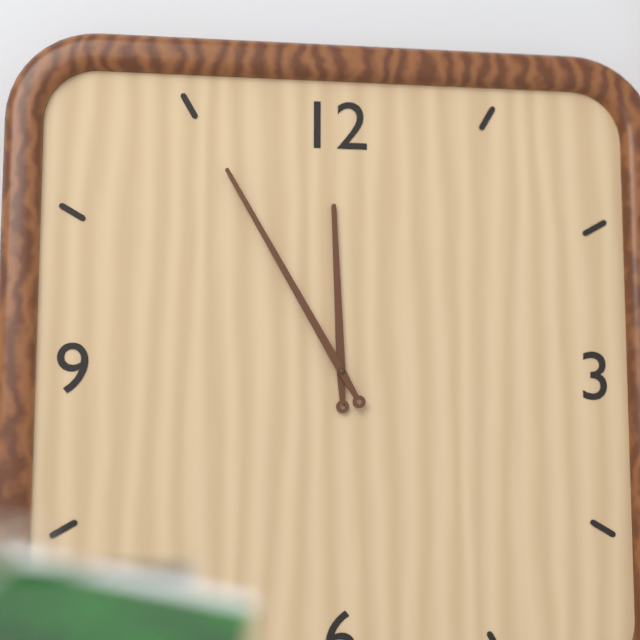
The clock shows 11:55
